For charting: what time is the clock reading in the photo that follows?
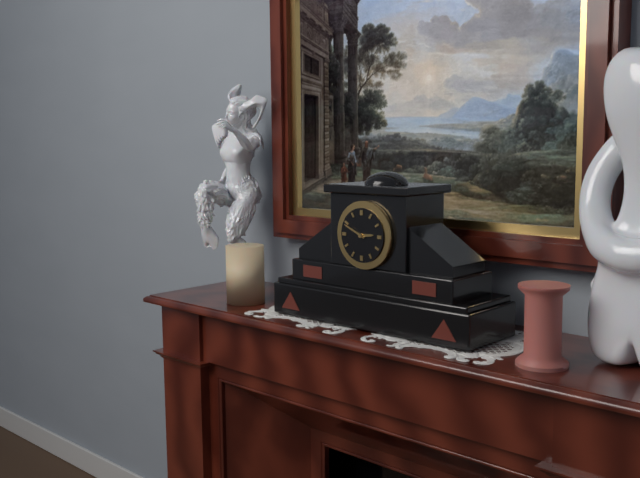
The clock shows 2:49
